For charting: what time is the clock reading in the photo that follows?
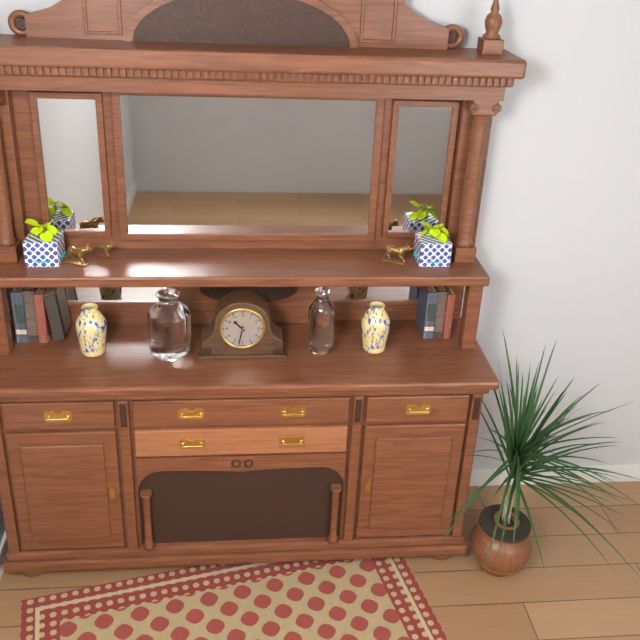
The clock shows 10:32
